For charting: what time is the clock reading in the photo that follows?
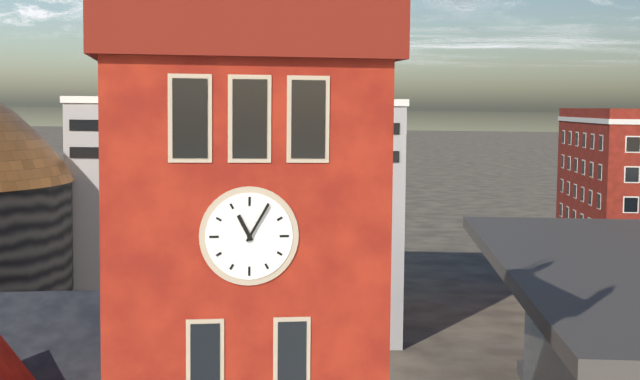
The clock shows 11:05
